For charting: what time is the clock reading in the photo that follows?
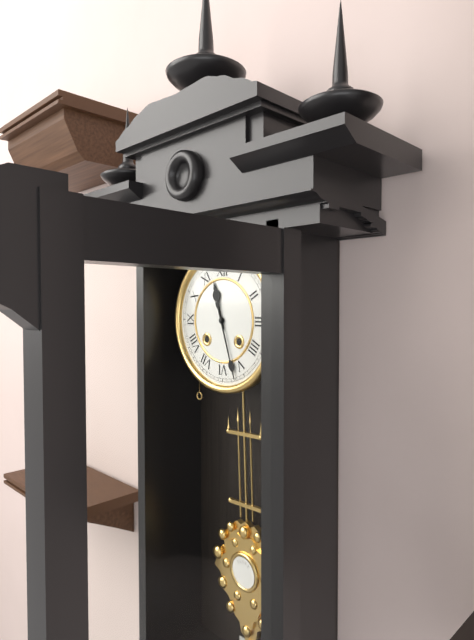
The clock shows 11:27
